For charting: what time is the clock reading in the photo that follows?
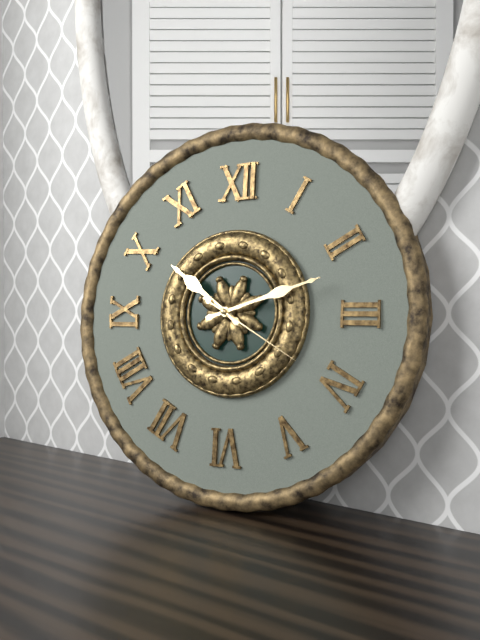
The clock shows 10:12:20
